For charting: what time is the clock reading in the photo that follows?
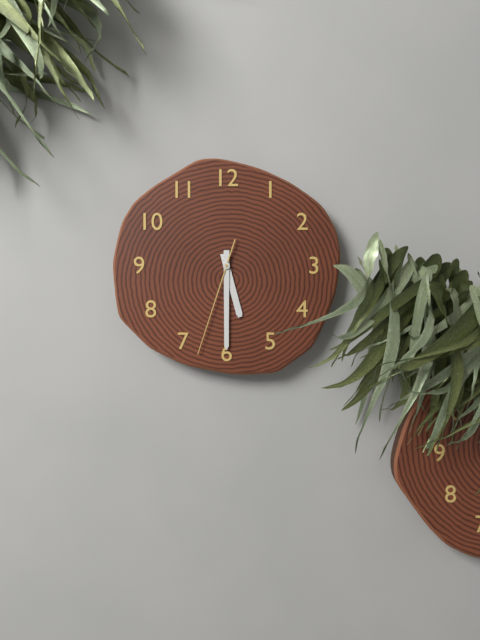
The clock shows 5:30:33
